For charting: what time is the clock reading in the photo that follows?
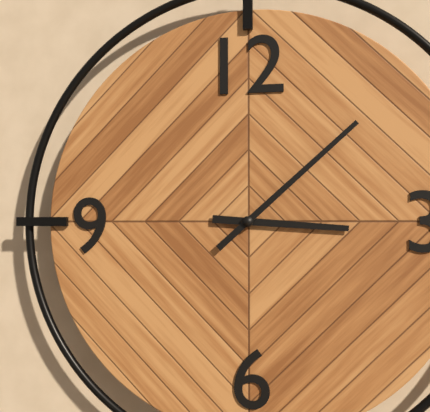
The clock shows 3:08
